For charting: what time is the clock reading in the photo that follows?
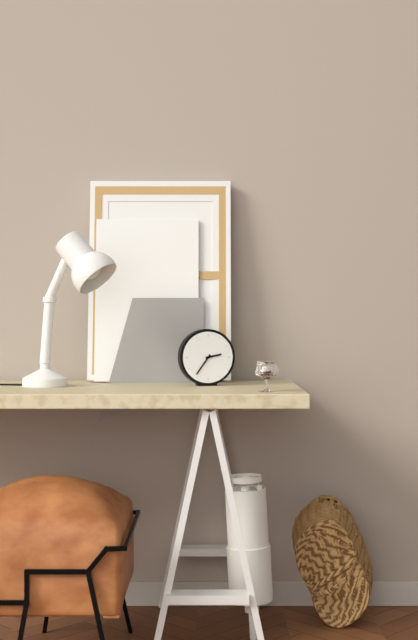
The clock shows 2:36
